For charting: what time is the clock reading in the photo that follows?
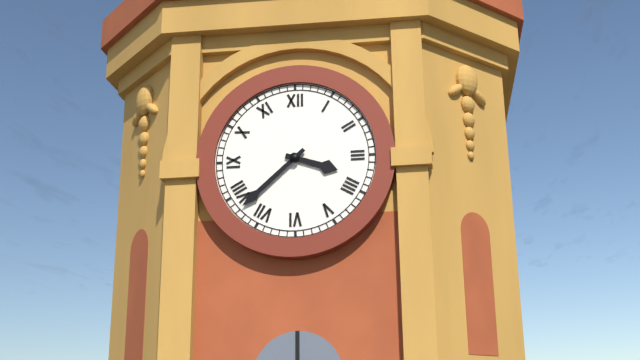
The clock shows 3:38
